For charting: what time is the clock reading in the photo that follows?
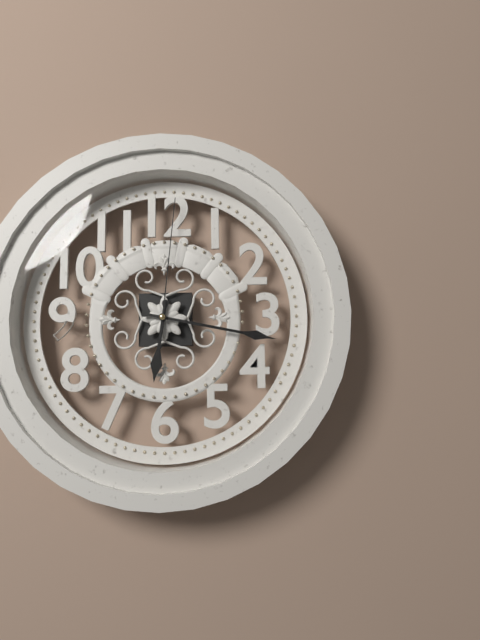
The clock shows 6:17:01
